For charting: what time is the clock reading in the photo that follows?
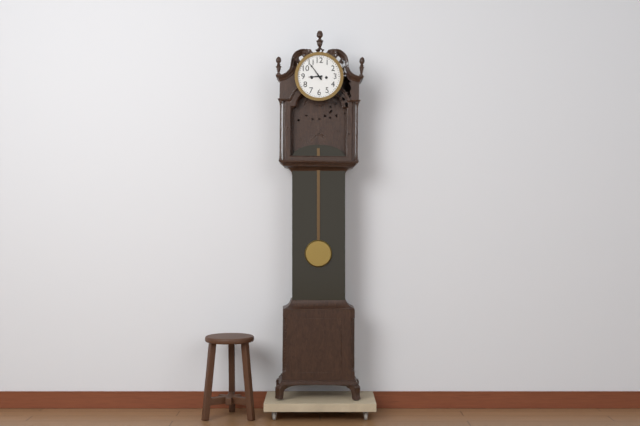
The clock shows 8:54
